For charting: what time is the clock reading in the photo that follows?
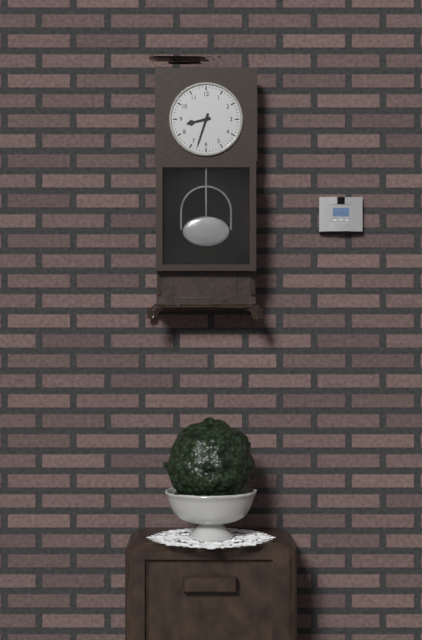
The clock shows 8:33
